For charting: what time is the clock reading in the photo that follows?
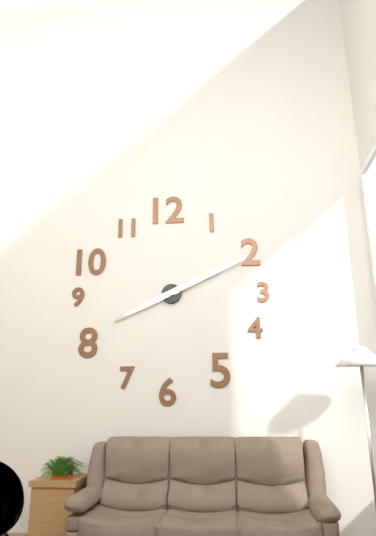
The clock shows 8:11
